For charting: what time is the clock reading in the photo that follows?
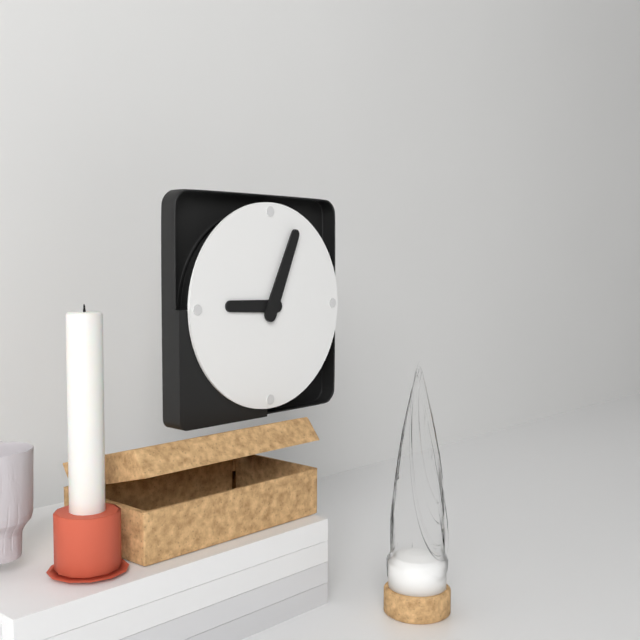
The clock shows 9:04
